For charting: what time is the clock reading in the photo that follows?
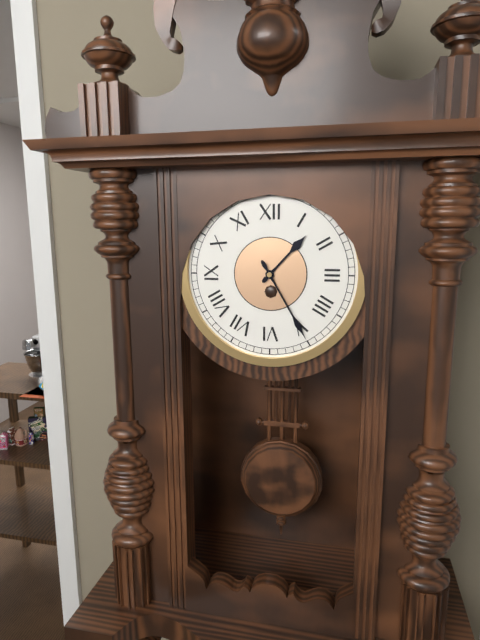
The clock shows 1:25
